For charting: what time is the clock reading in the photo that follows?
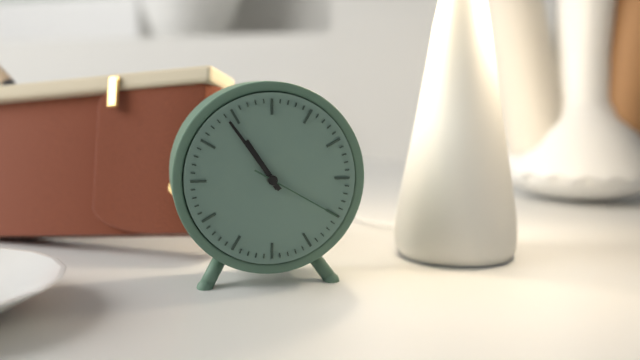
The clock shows 10:54:20
